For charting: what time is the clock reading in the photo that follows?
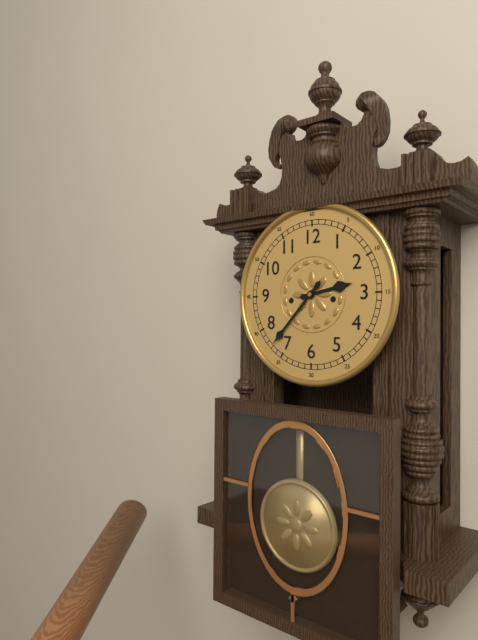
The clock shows 2:37
